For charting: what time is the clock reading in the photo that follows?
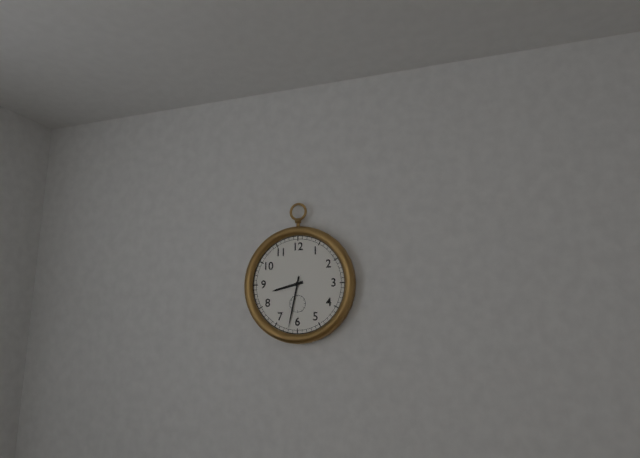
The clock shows 8:32
